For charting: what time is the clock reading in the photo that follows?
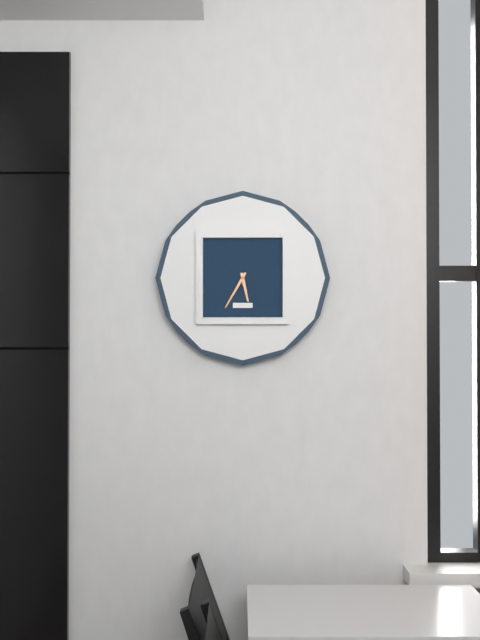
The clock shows 5:35
